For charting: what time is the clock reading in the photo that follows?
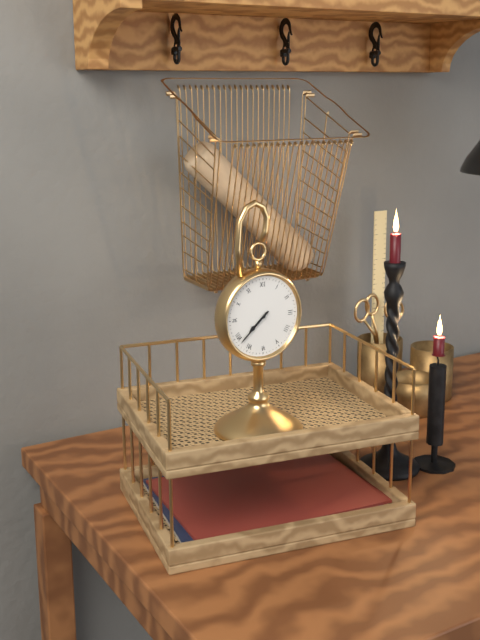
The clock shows 7:38
